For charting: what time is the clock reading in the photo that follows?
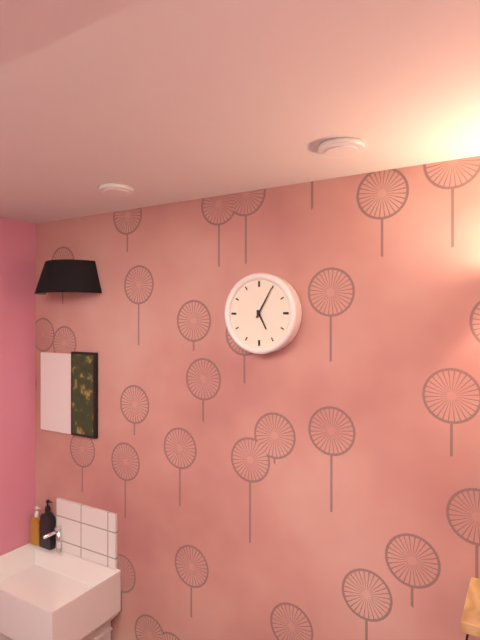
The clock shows 5:05
